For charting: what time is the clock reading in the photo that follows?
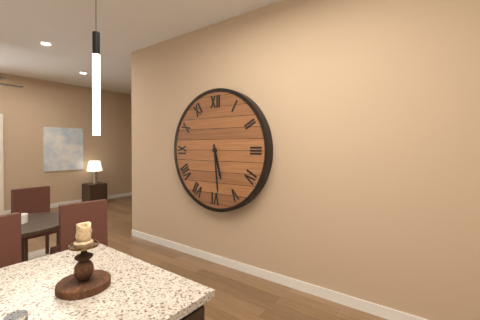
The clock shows 5:29
